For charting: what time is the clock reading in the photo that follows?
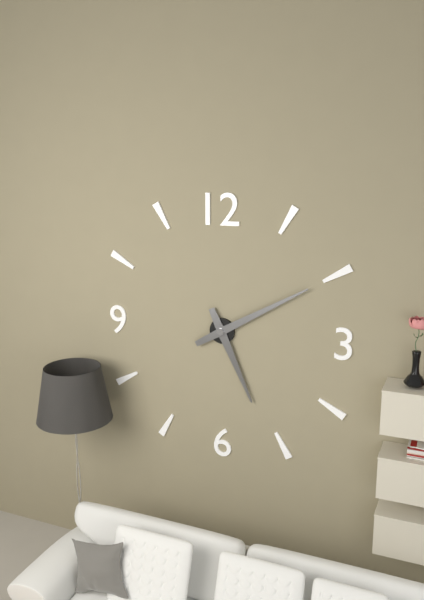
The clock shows 5:10
